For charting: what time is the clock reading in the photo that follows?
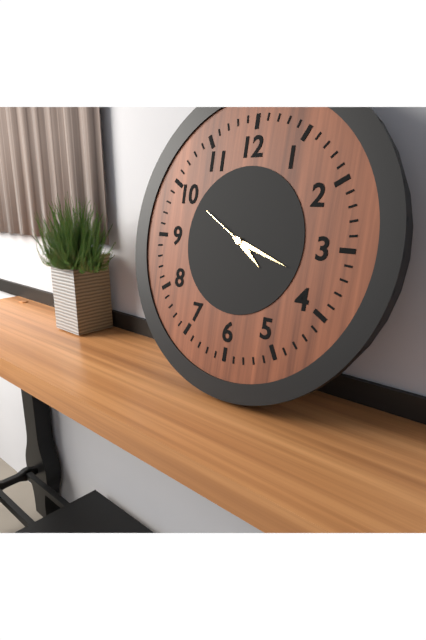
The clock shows 4:18:50
